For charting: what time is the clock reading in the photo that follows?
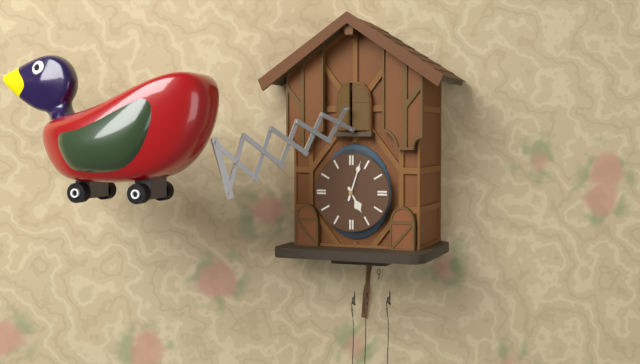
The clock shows 5:03
